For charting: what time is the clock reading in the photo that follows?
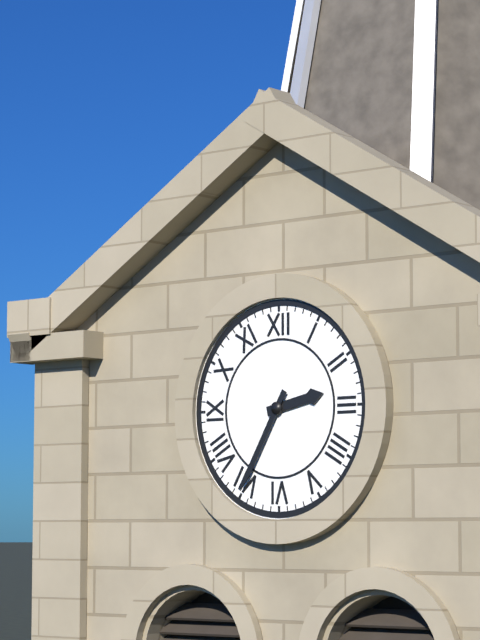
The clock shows 2:35
